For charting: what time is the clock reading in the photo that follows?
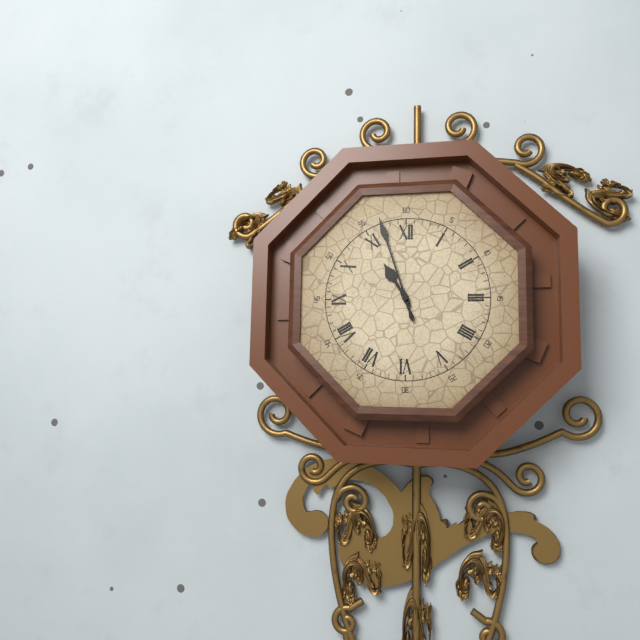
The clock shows 10:57
